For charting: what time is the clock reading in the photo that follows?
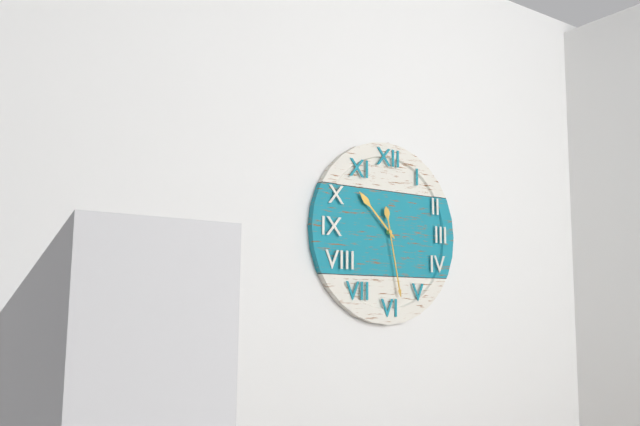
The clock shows 10:28
